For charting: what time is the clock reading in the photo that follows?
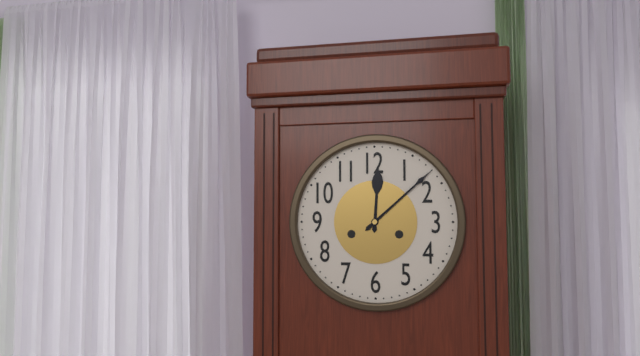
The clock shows 12:08
